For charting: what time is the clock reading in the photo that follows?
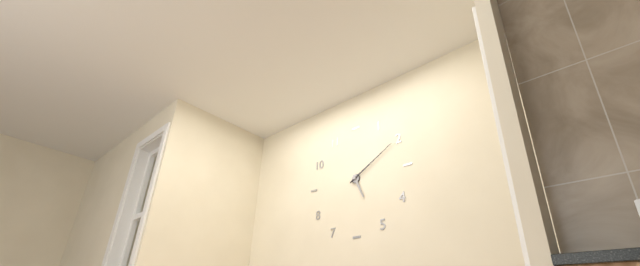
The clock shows 5:10
